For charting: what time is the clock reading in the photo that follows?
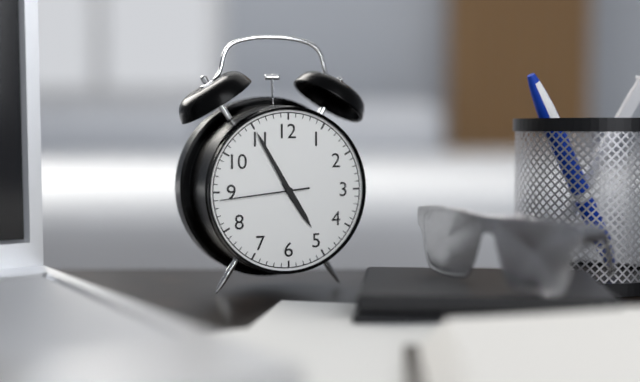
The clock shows 4:55:44
